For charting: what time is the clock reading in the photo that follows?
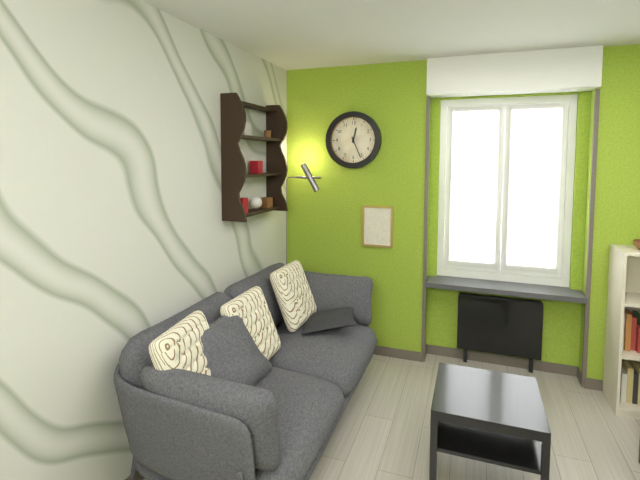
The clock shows 12:26
